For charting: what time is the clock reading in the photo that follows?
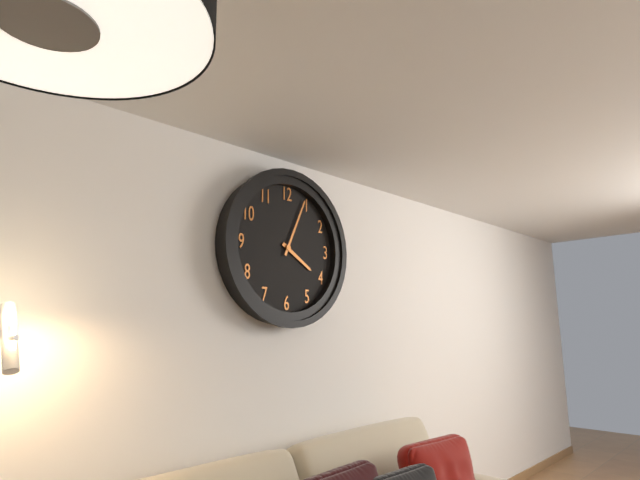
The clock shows 4:04
